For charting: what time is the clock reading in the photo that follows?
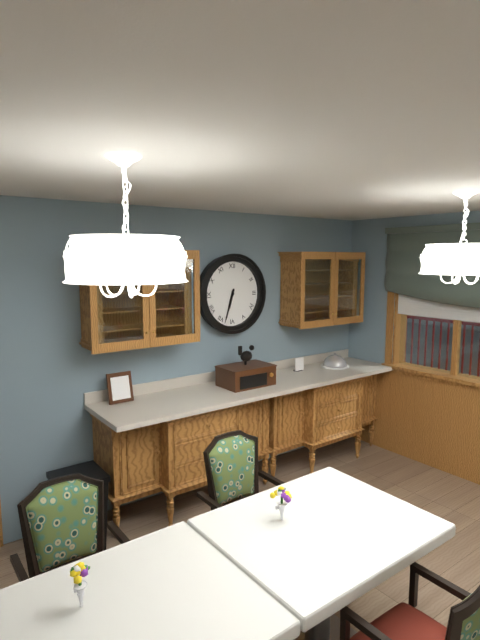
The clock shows 6:33
